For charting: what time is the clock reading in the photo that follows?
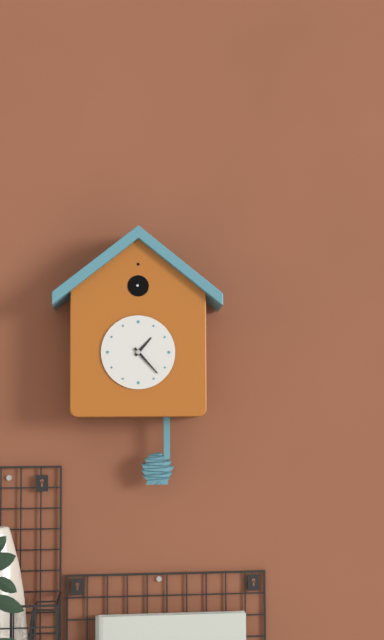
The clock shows 1:23
